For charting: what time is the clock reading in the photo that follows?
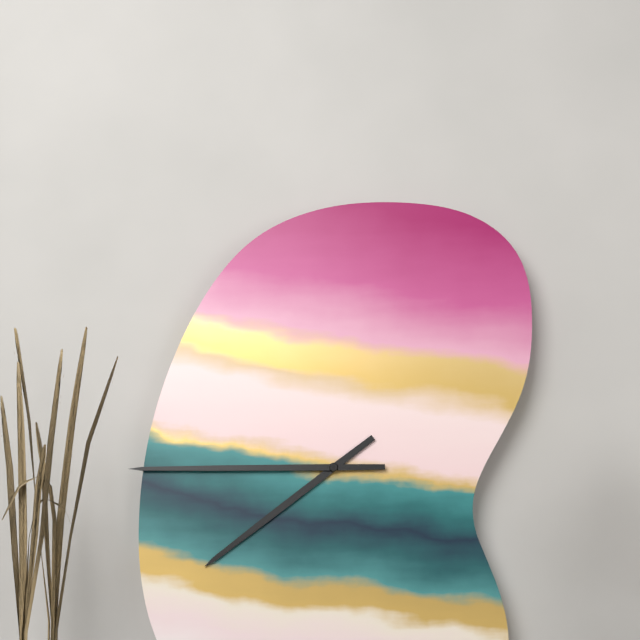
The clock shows 7:45
